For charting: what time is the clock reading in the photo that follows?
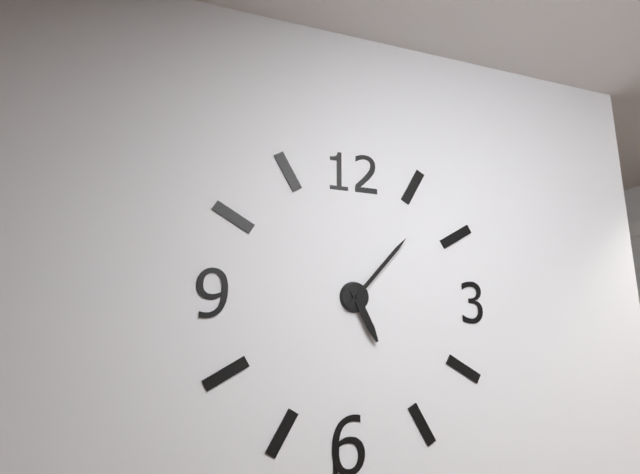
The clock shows 5:07
